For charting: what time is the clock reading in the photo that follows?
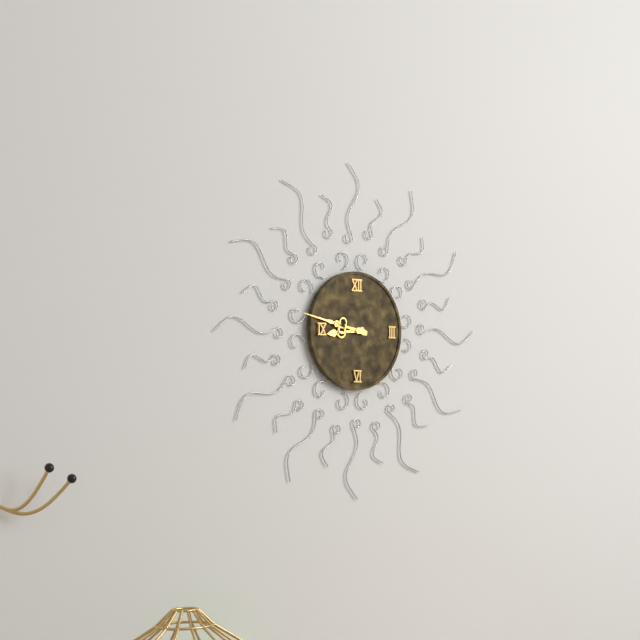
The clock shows 8:47
